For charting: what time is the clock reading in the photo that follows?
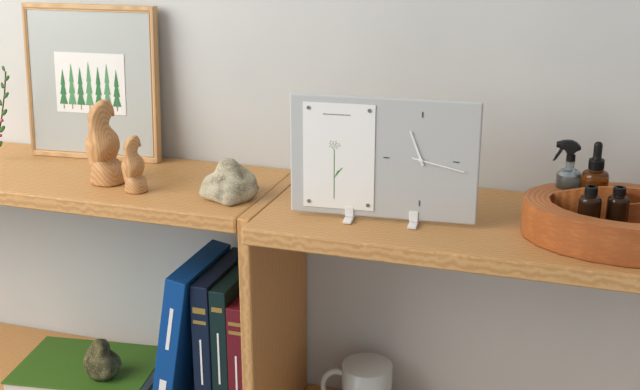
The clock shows 11:17
